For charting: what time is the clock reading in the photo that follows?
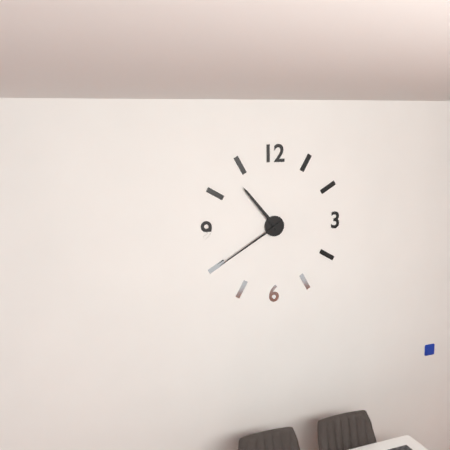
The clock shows 10:40
